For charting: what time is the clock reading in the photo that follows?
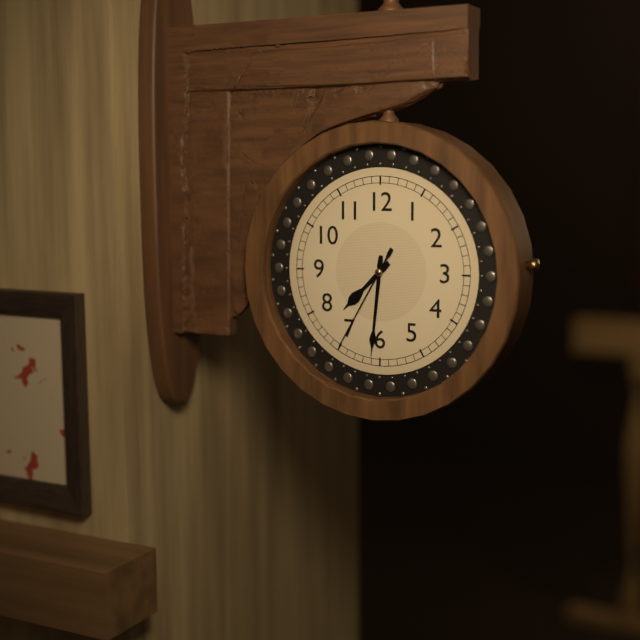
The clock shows 7:31:35
